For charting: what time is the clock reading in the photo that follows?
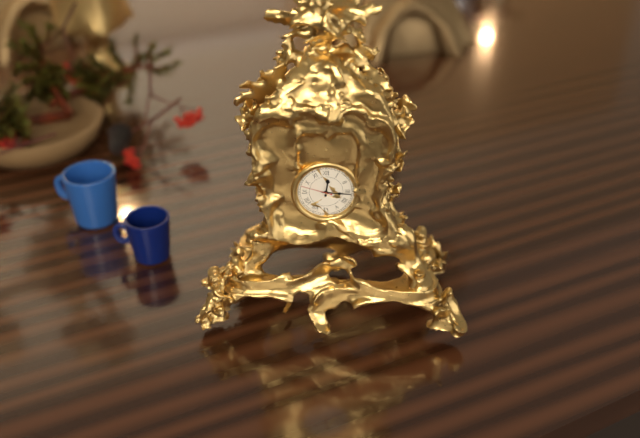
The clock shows 12:16
